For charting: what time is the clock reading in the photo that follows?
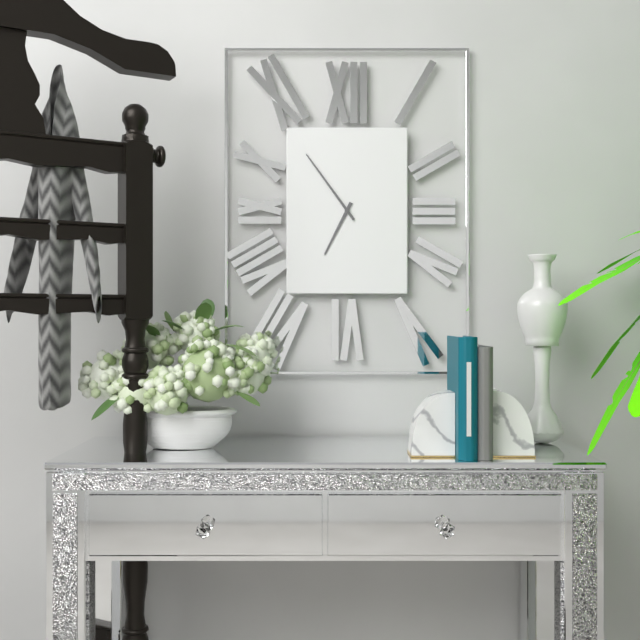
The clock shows 6:54
